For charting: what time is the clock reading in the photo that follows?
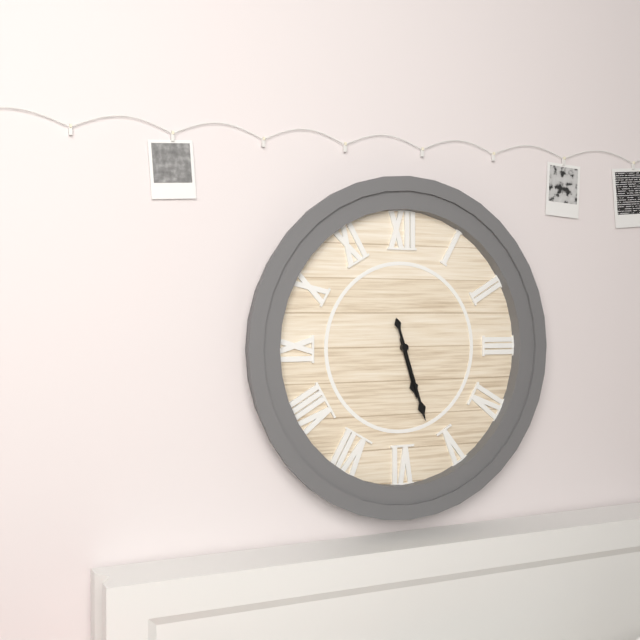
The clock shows 5:27
